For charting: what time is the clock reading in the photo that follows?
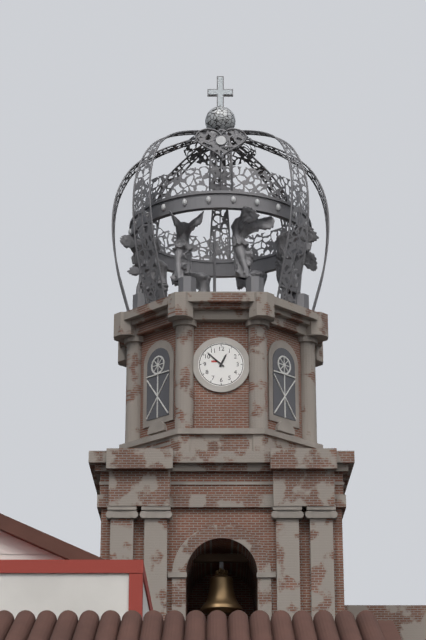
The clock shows 12:52
